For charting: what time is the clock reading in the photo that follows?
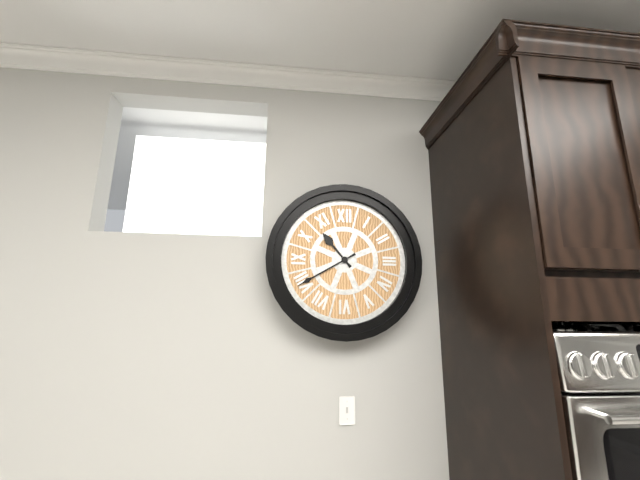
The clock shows 10:40
